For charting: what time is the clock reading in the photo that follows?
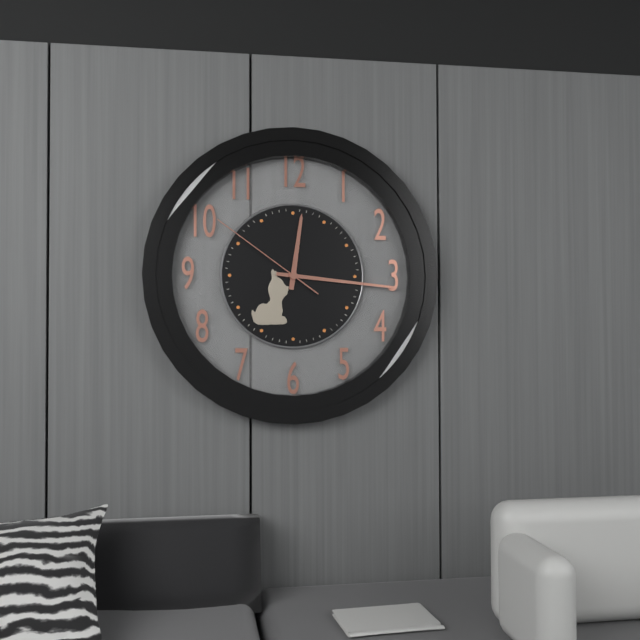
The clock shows 12:16:51
